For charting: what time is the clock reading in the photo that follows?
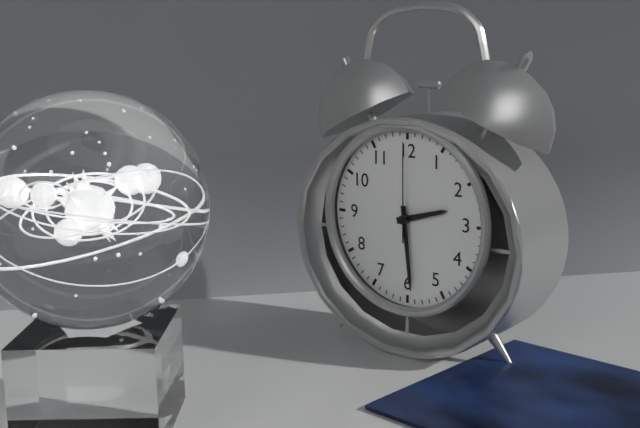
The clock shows 2:29:00
